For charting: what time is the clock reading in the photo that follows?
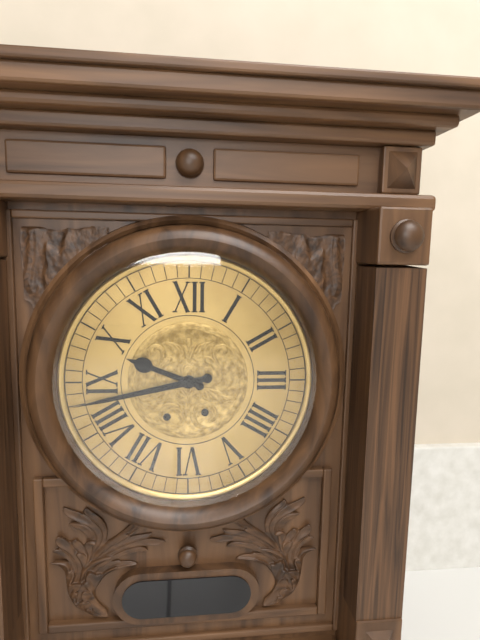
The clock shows 9:43
